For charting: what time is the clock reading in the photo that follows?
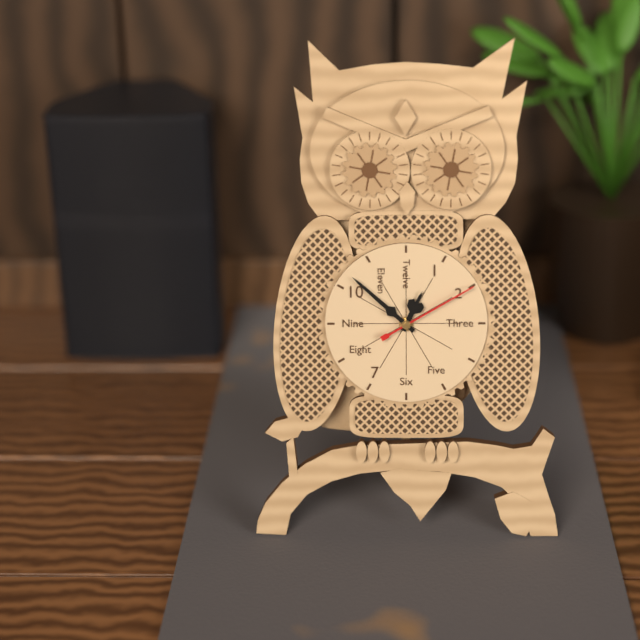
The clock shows 12:52:10
